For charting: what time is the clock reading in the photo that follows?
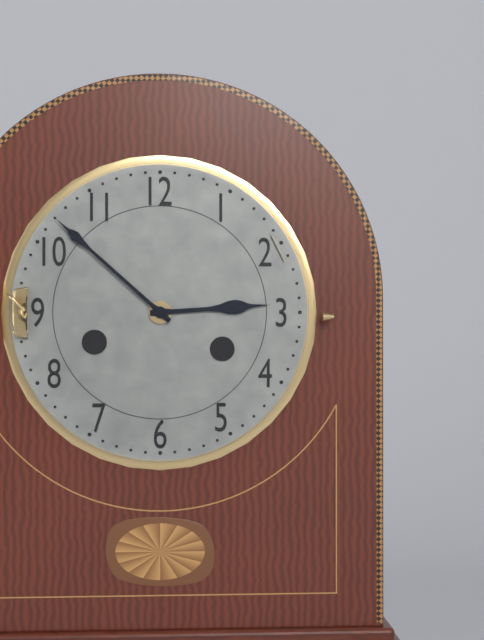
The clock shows 2:52
